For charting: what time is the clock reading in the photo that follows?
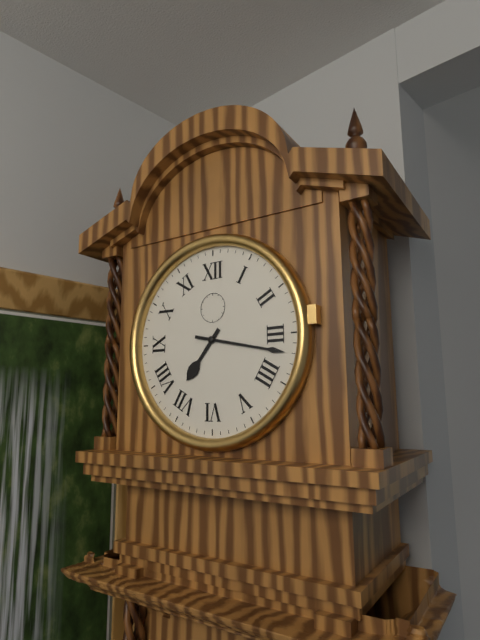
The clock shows 7:17
